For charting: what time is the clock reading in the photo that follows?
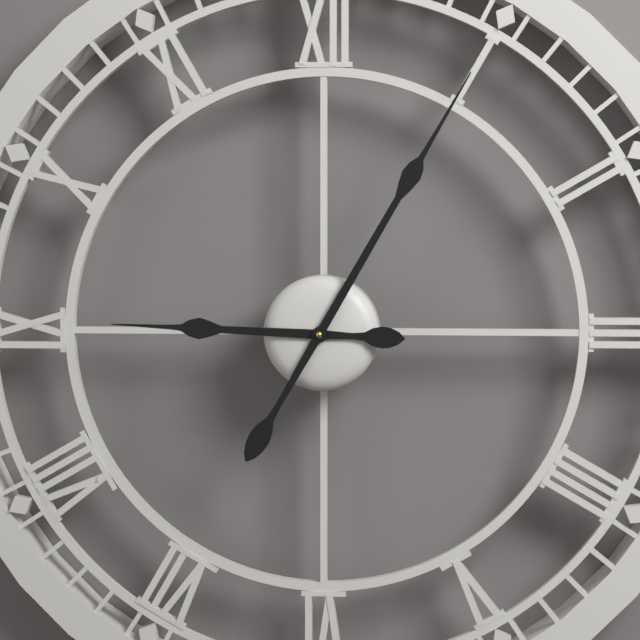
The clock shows 9:05
